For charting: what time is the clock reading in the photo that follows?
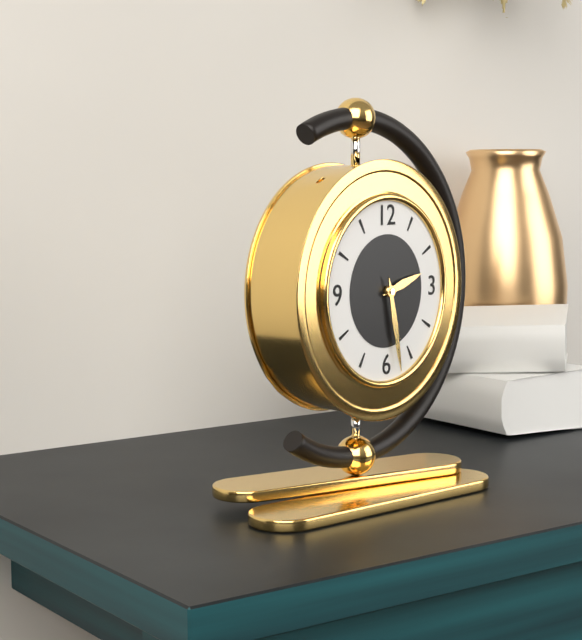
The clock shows 2:28
